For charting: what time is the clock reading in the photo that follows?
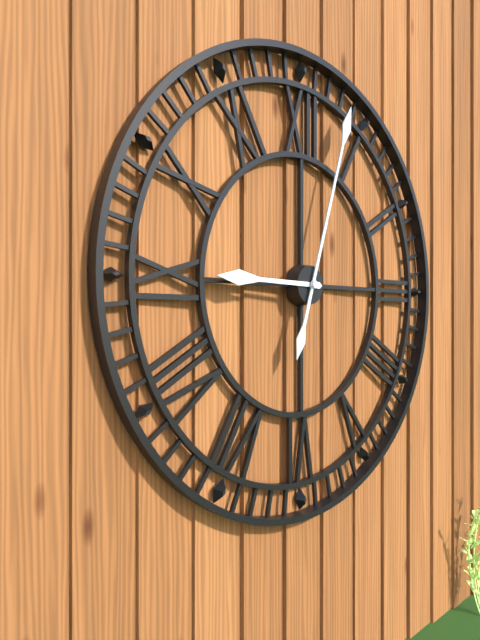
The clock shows 9:03
